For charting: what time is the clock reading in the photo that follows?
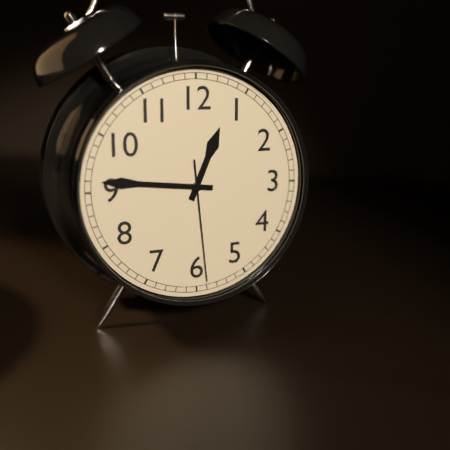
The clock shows 12:46:29
